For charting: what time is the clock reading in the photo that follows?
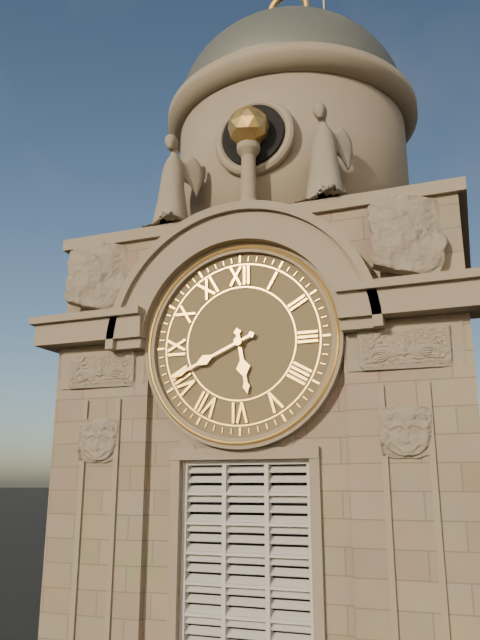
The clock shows 5:41
